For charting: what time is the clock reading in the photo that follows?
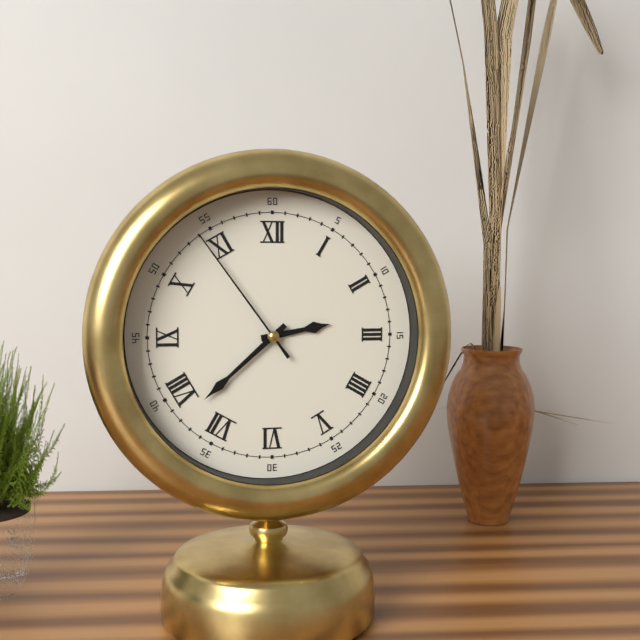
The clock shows 2:38:54
